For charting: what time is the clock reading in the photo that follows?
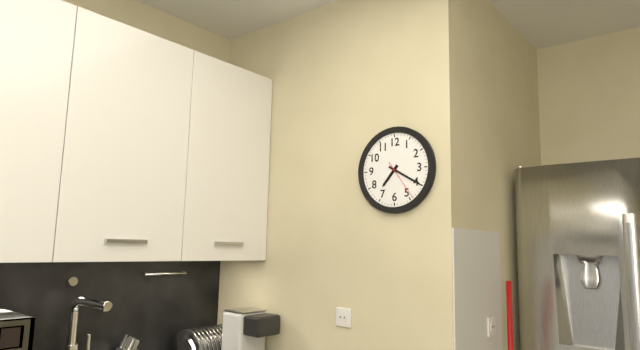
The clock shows 7:20
